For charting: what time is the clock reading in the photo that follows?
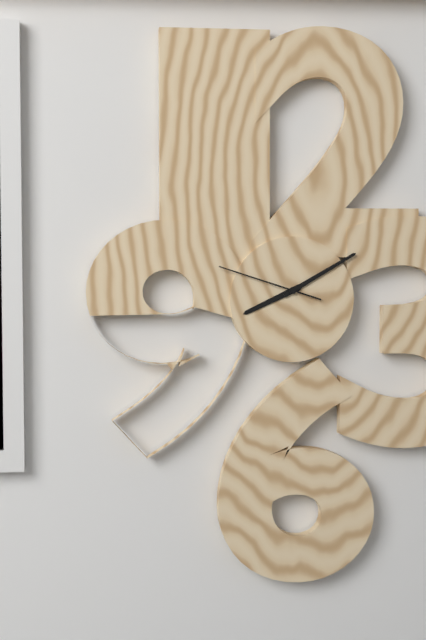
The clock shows 8:10:48
